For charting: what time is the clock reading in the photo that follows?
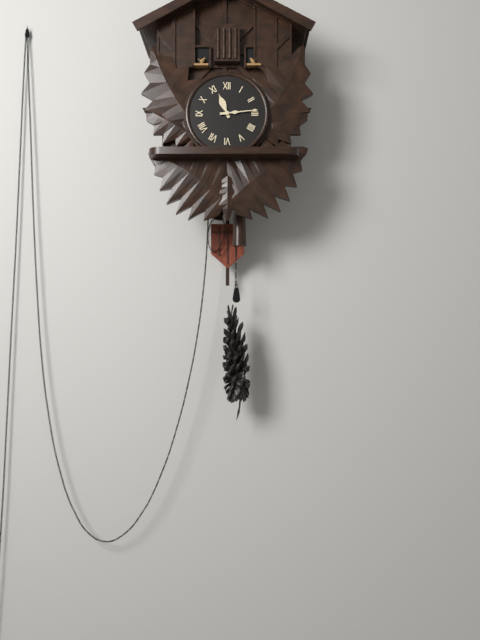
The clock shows 11:14
